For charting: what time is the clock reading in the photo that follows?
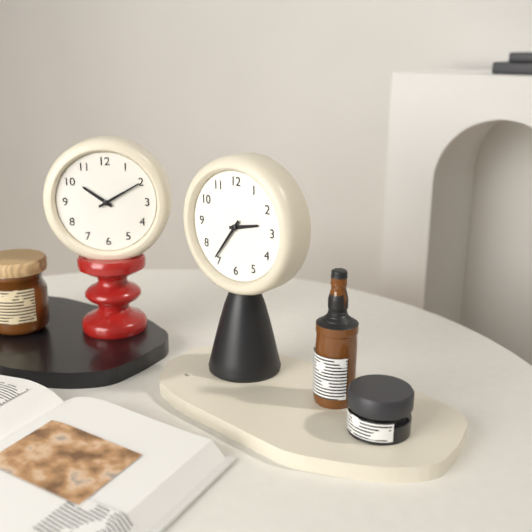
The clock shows 2:36
